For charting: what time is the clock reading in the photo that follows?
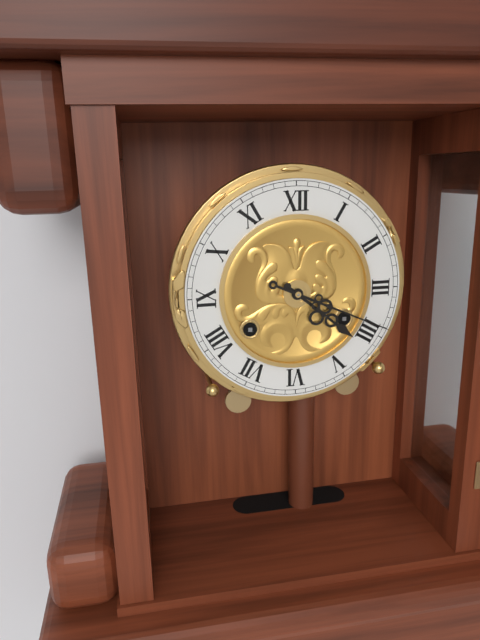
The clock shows 4:19
